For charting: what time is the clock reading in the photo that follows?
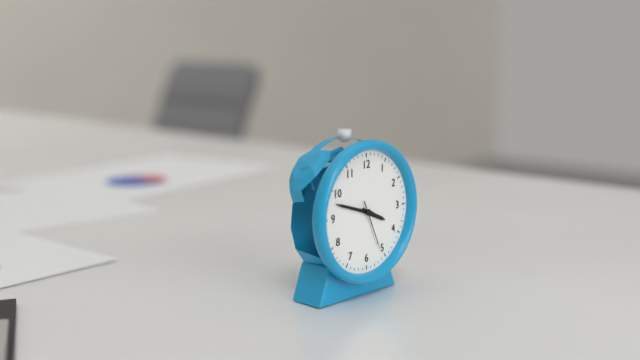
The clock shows 3:48
